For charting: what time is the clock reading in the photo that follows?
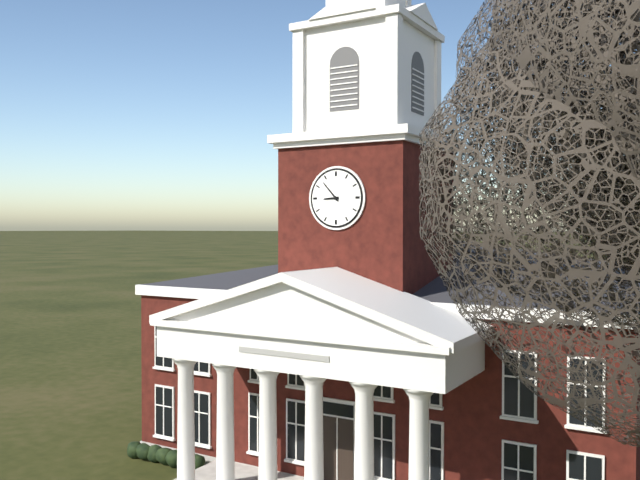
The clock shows 8:53
